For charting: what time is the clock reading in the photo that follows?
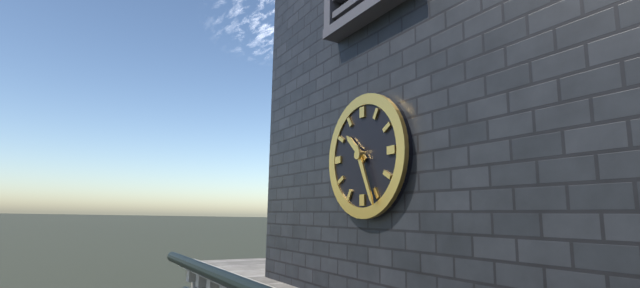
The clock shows 10:26
